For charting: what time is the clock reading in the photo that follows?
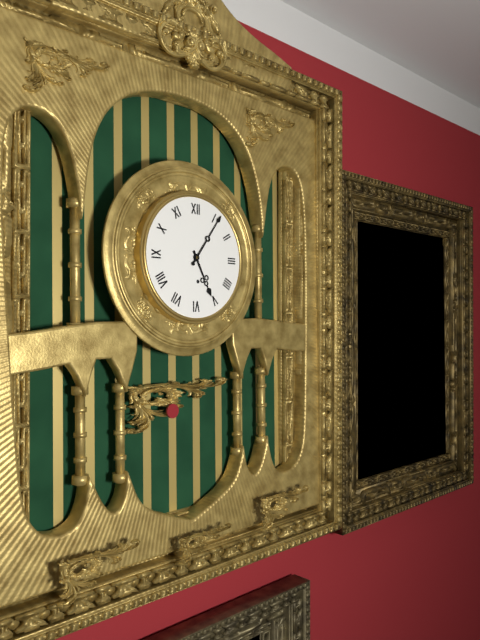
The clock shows 5:06
